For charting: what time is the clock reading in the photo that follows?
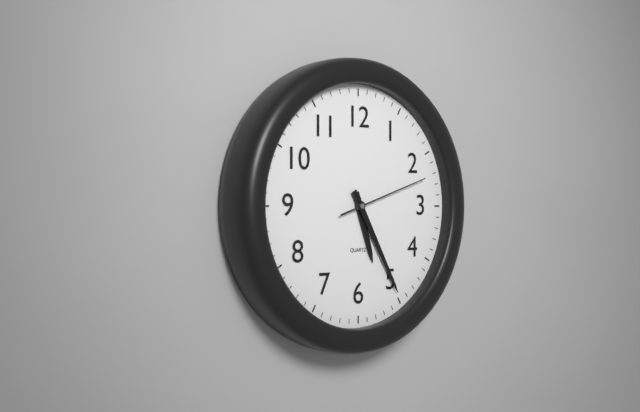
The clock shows 5:25:12
